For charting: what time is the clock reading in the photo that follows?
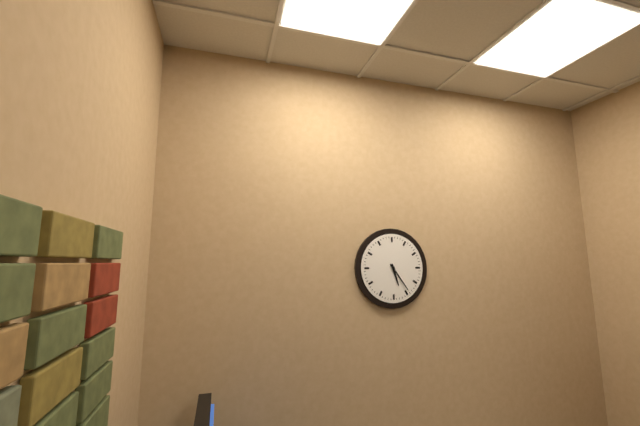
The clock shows 5:24
